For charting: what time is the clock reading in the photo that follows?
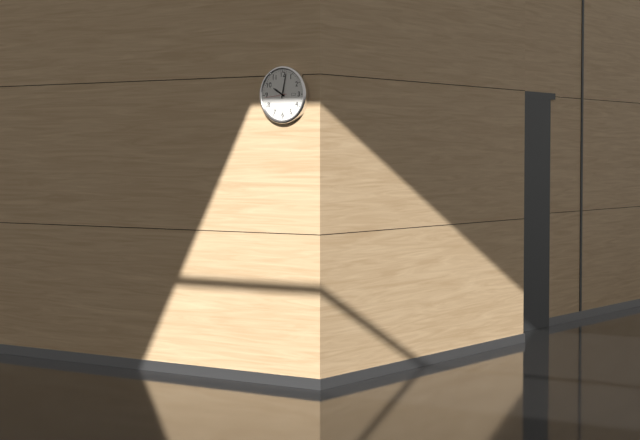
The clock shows 10:02
